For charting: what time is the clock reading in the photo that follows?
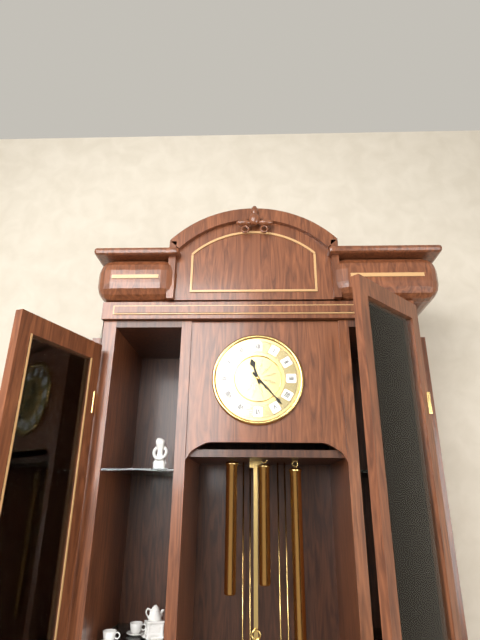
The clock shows 11:23
